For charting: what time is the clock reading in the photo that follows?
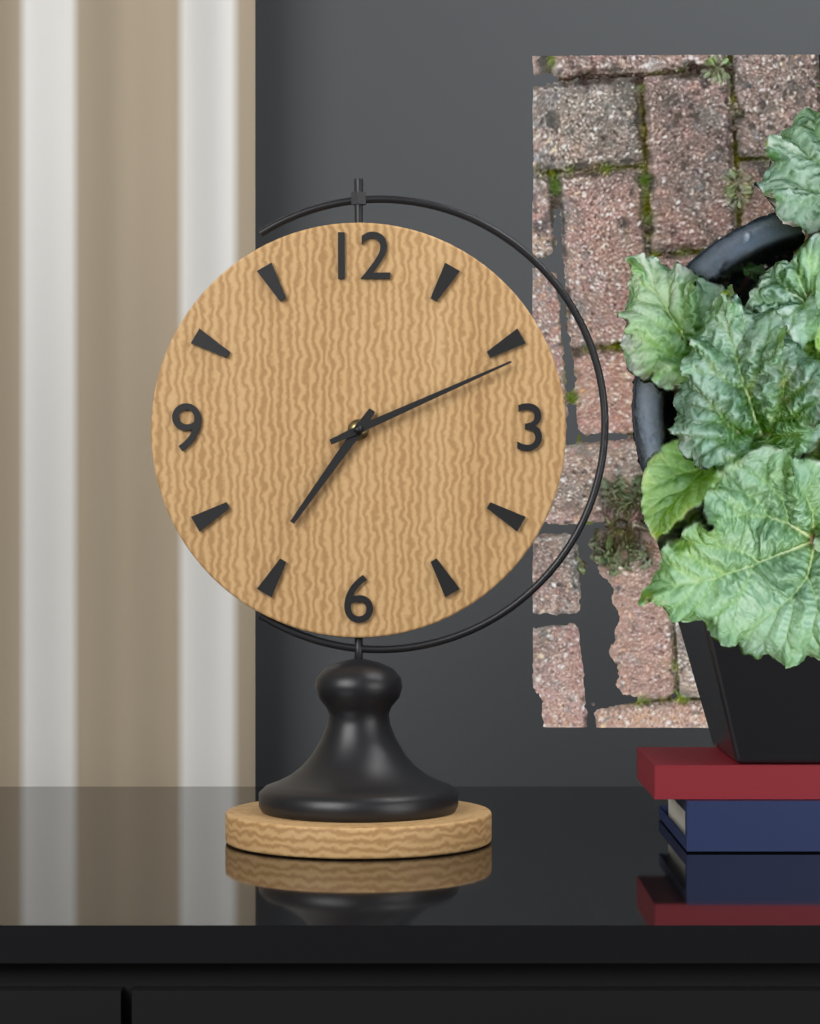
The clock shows 7:11
